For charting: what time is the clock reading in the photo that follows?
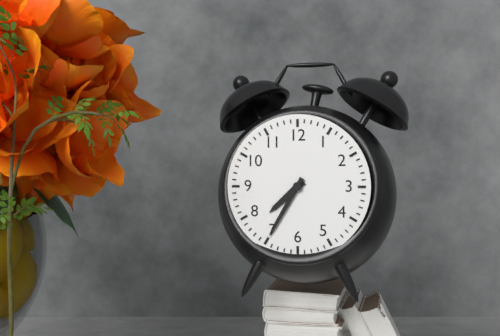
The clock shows 7:35
